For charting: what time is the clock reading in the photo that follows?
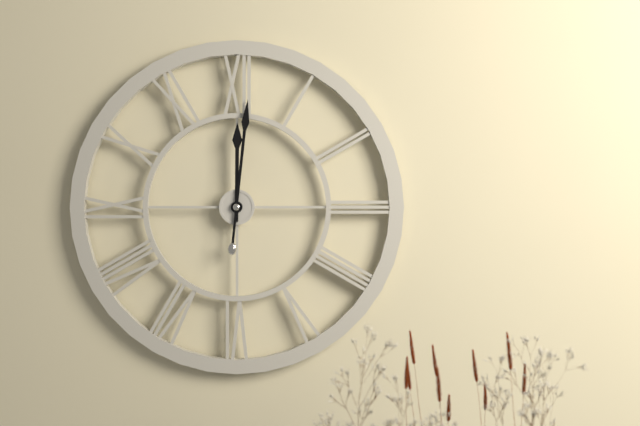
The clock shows 12:01
